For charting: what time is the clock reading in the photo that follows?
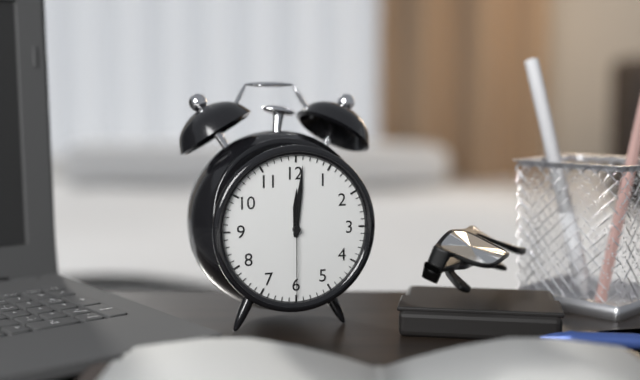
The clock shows 12:01:30
